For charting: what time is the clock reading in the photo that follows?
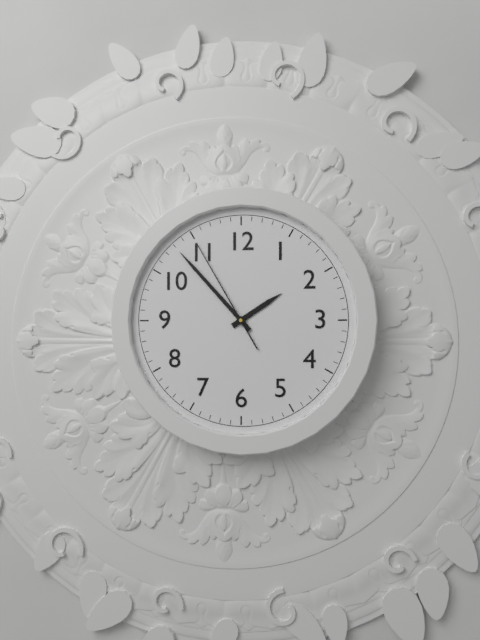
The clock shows 1:53:55
